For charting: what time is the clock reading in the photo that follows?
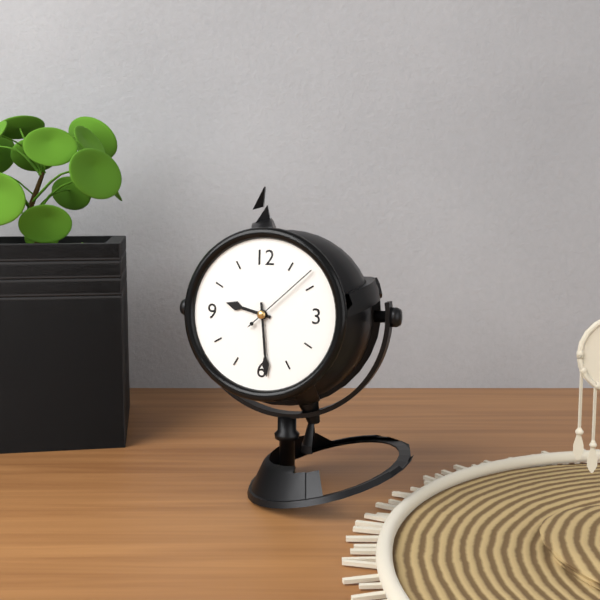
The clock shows 9:29:08
